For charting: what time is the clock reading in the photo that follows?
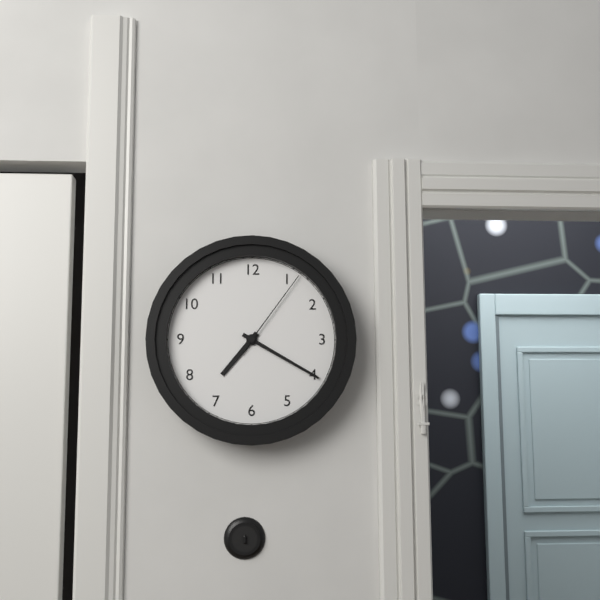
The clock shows 7:20:06
